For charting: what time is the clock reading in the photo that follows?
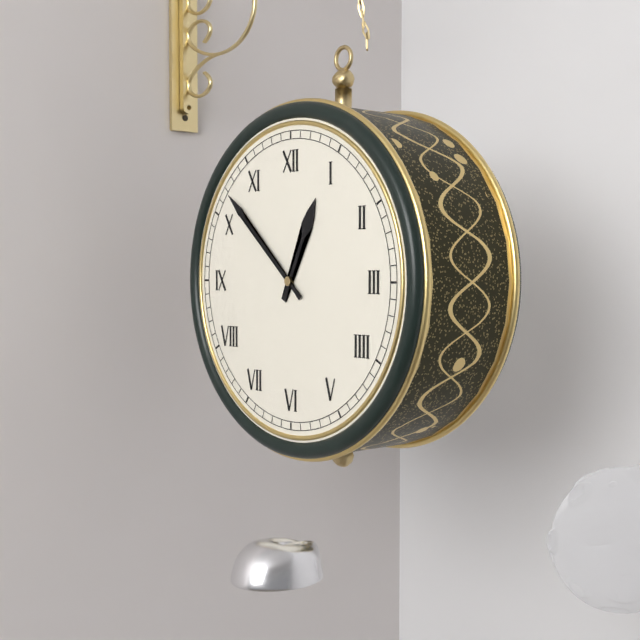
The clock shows 12:52
